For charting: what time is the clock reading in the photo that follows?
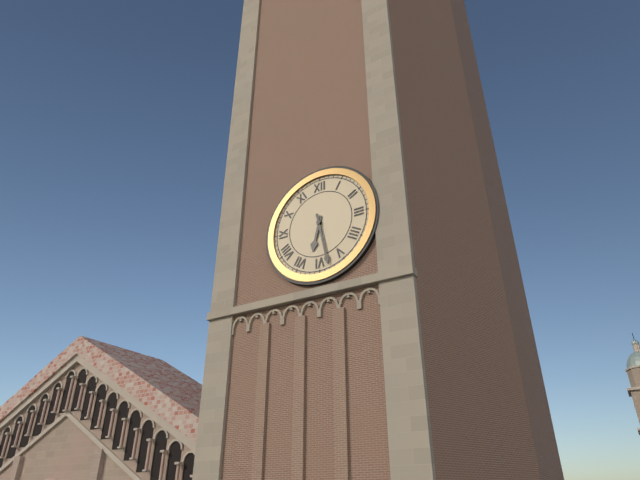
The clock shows 6:28
